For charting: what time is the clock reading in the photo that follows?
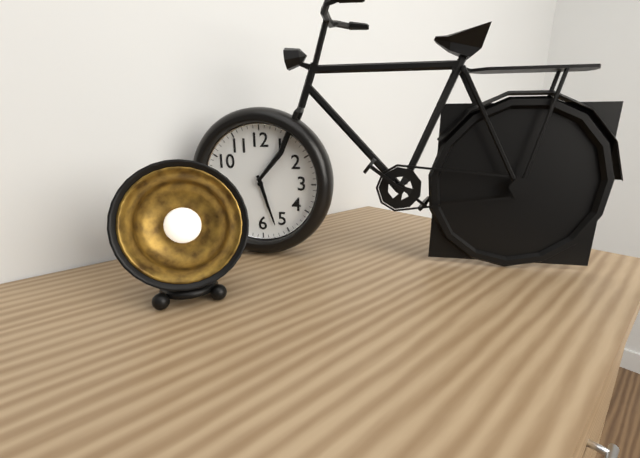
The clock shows 5:27
